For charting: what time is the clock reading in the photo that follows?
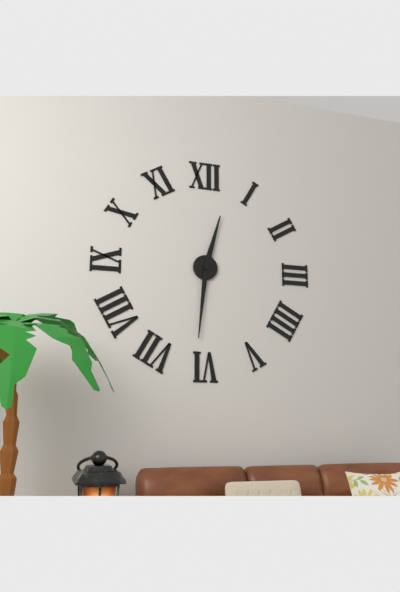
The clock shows 12:31
